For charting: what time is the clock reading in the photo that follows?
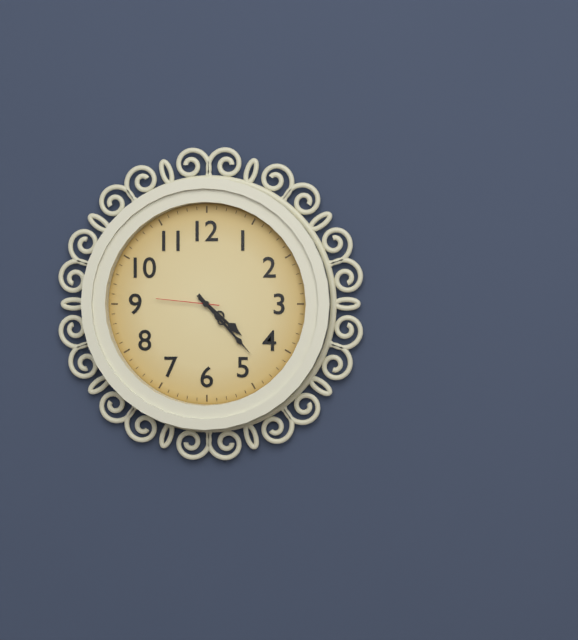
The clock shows 4:23:46
